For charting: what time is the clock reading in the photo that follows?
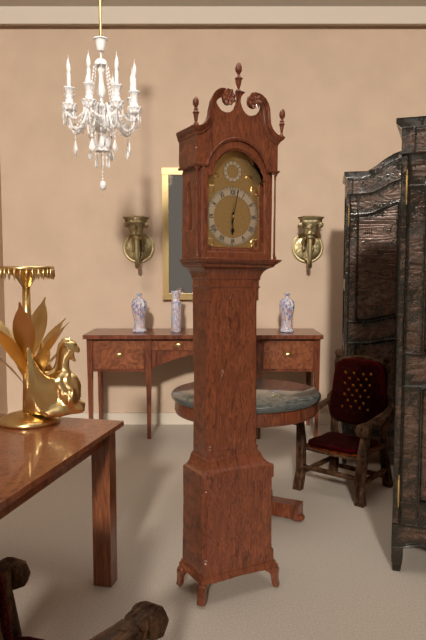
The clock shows 6:02
